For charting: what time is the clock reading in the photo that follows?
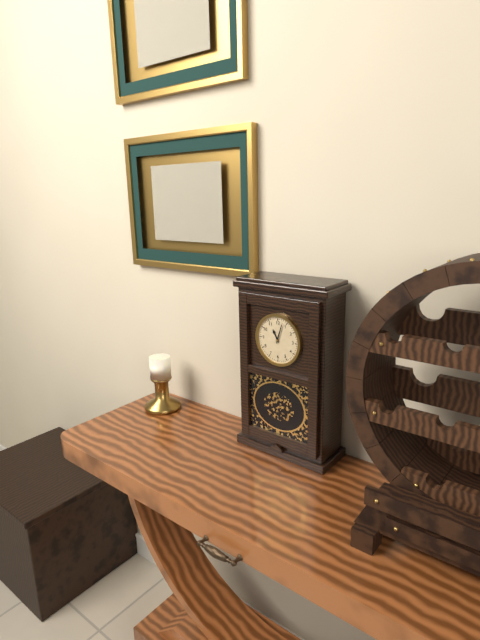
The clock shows 11:03
